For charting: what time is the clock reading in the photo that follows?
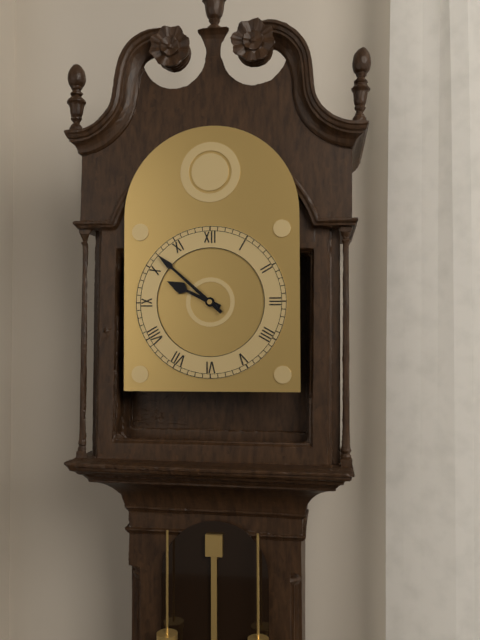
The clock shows 9:52
